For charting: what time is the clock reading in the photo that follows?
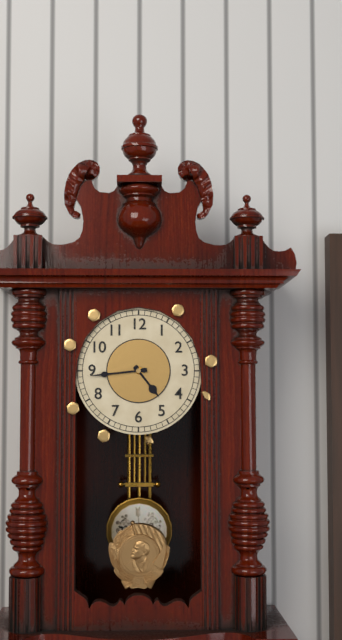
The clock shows 4:44
